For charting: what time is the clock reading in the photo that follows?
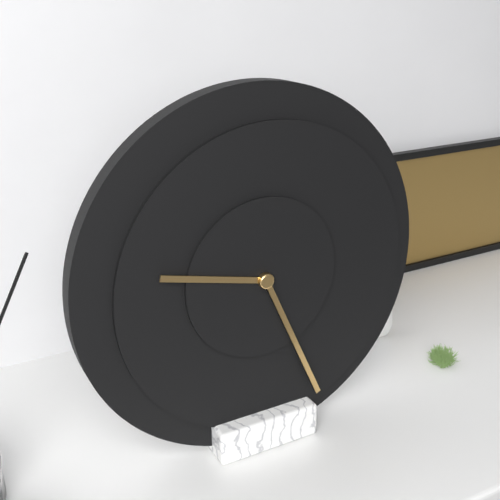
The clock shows 9:26
